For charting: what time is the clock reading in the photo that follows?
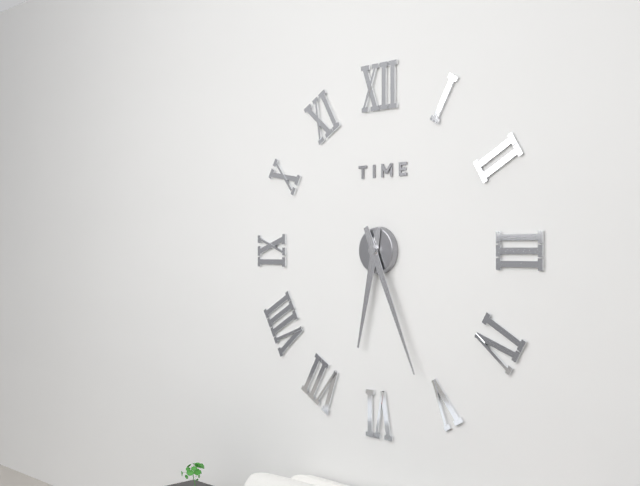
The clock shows 6:26
